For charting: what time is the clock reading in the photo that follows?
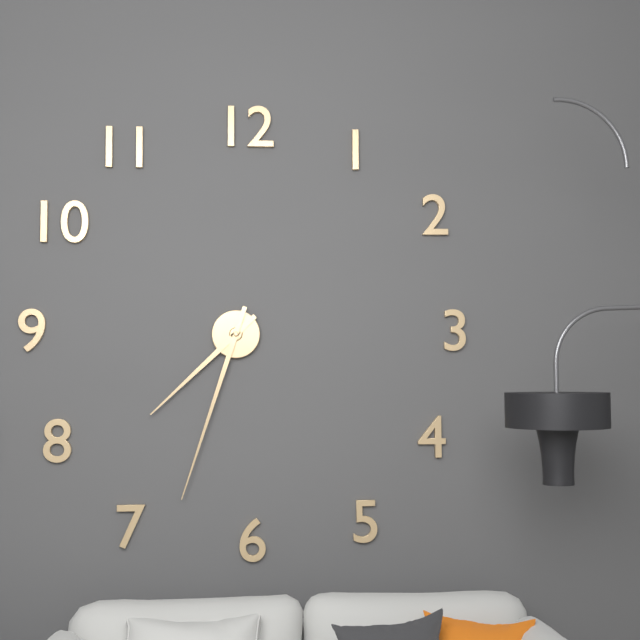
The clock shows 7:33
